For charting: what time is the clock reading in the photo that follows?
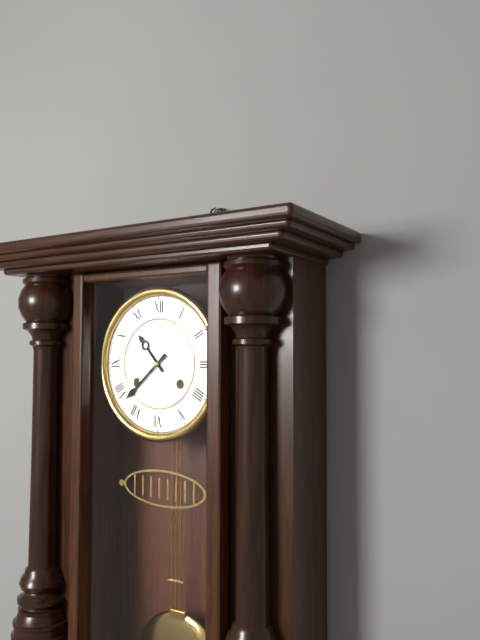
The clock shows 10:38
